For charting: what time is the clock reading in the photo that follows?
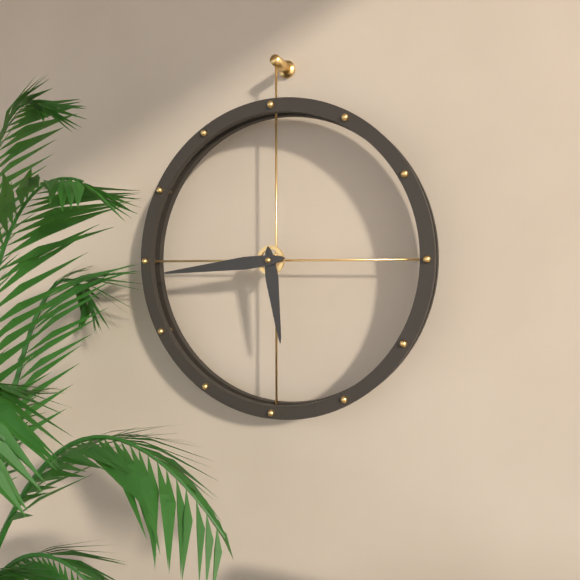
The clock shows 5:44
